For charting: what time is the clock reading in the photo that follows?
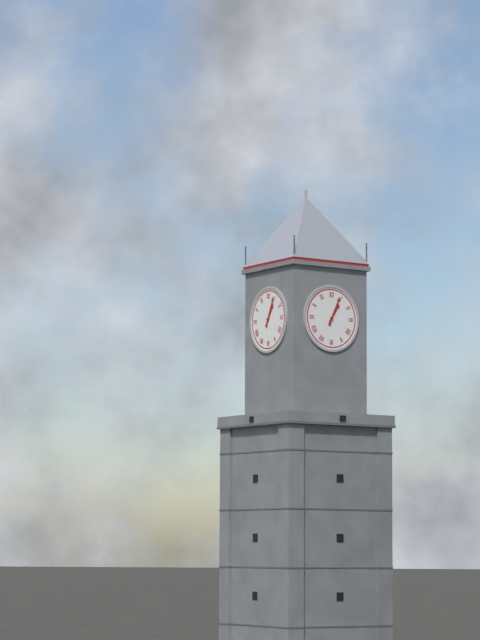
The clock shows 1:04
